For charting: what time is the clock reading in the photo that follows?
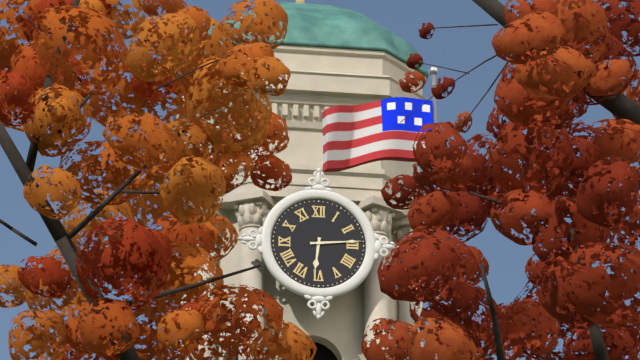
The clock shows 6:14
